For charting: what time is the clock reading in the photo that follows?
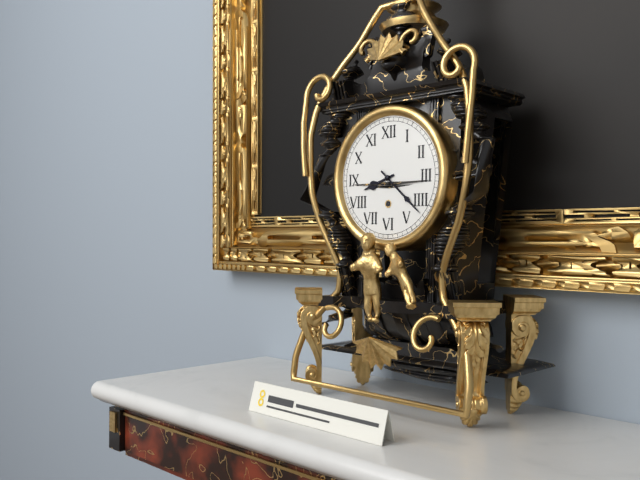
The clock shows 8:22
